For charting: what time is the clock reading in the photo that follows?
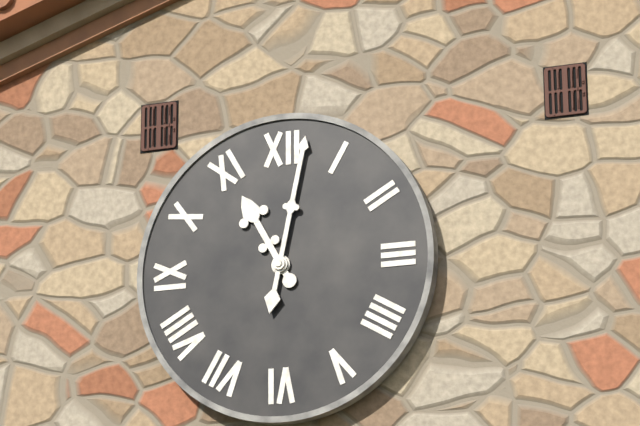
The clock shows 11:02
